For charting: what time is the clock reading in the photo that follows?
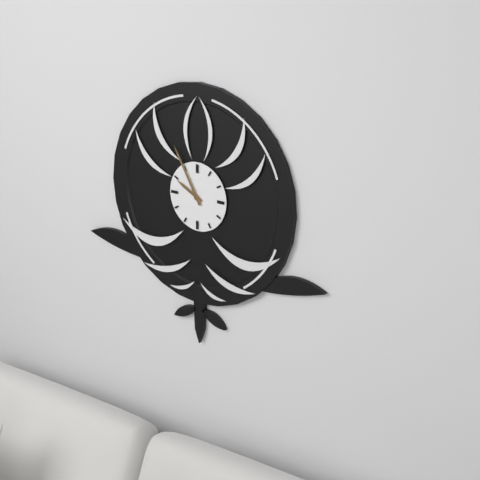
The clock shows 9:55
